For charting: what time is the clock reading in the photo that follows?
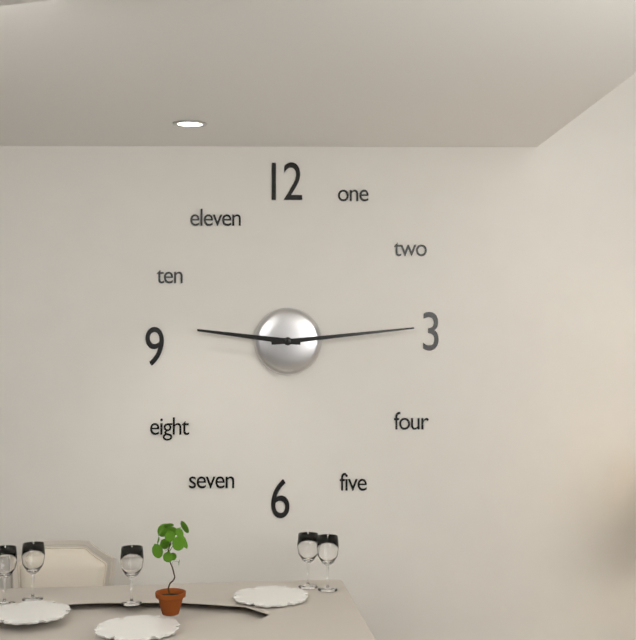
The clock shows 9:14
